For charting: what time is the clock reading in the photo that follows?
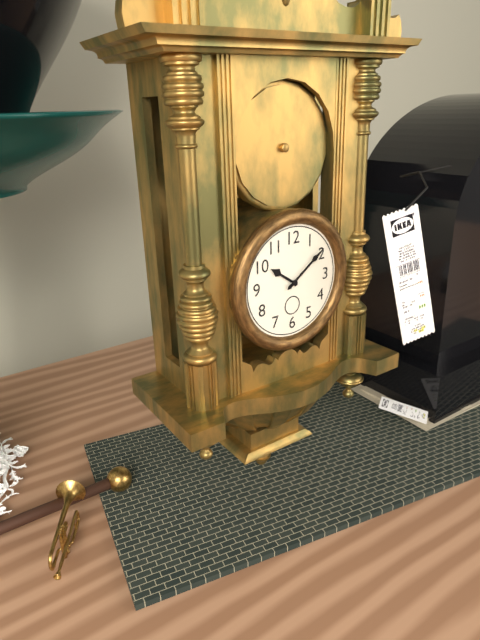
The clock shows 10:09
